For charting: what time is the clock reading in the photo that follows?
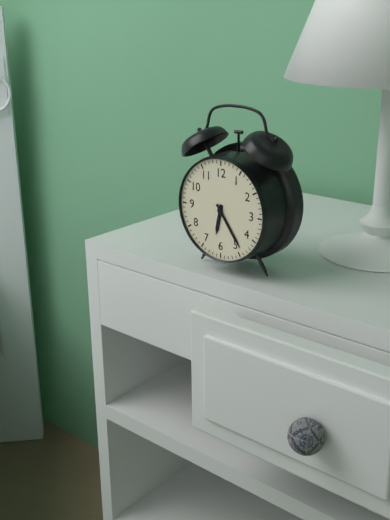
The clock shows 6:24
